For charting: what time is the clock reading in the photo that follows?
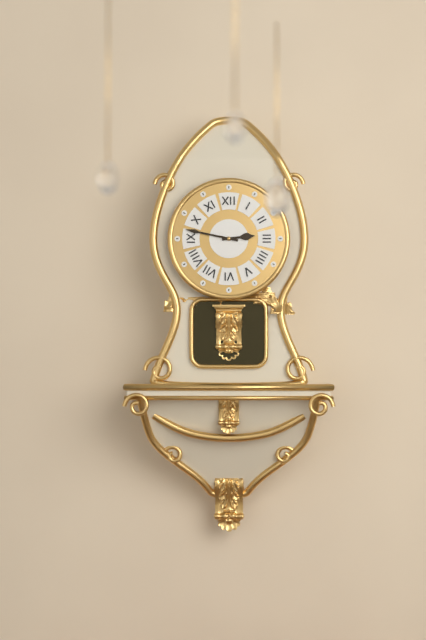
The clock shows 2:47
